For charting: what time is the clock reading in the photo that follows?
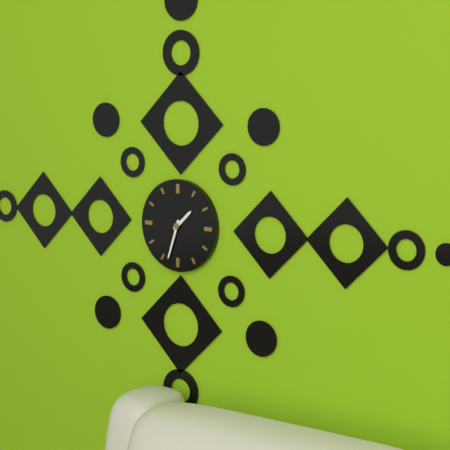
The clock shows 1:33
